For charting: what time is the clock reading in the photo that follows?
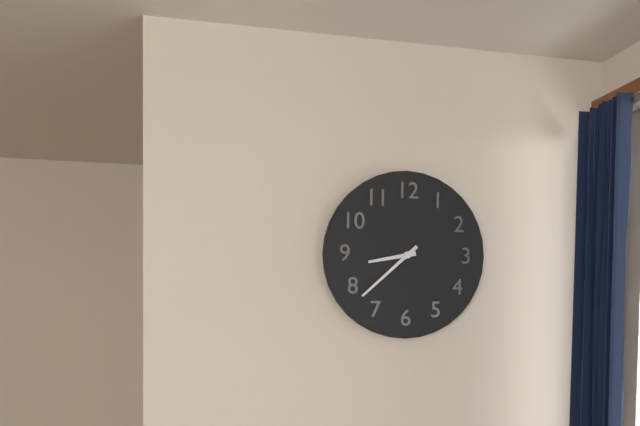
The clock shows 8:38
